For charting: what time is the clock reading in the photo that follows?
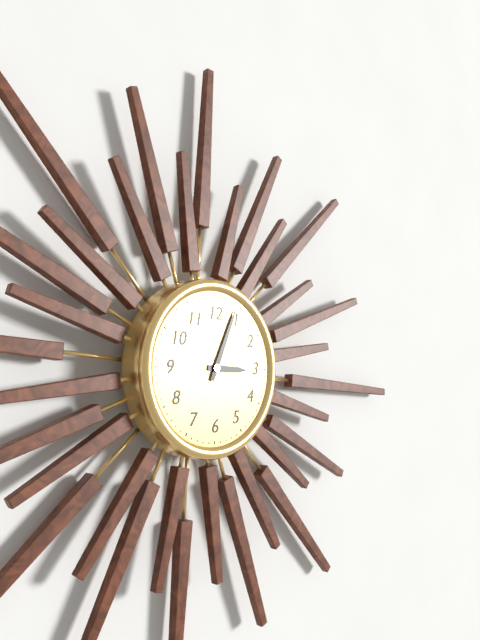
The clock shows 3:04
